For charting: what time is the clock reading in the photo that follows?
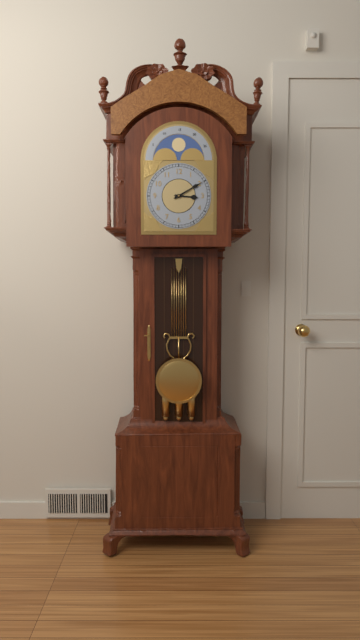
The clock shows 3:10
